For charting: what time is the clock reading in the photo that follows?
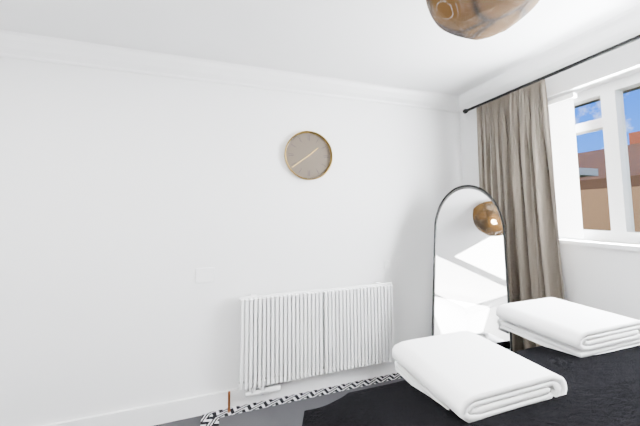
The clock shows 1:39
